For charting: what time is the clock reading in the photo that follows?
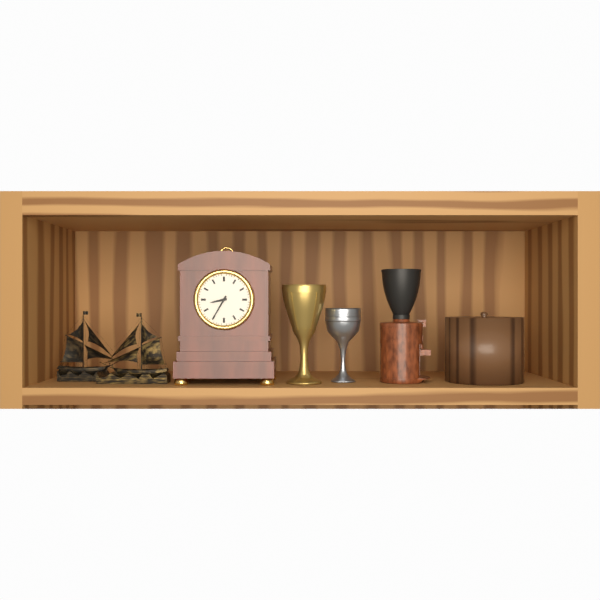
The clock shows 8:35
